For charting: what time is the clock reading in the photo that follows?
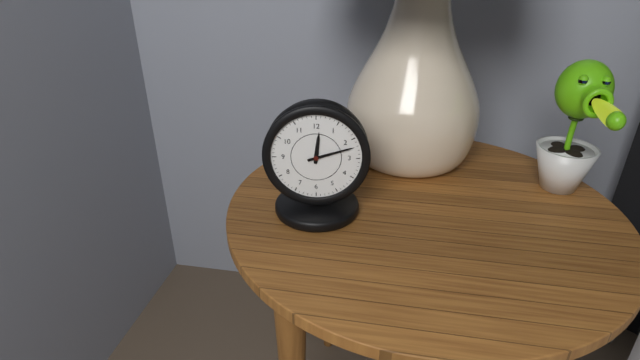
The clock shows 12:12
